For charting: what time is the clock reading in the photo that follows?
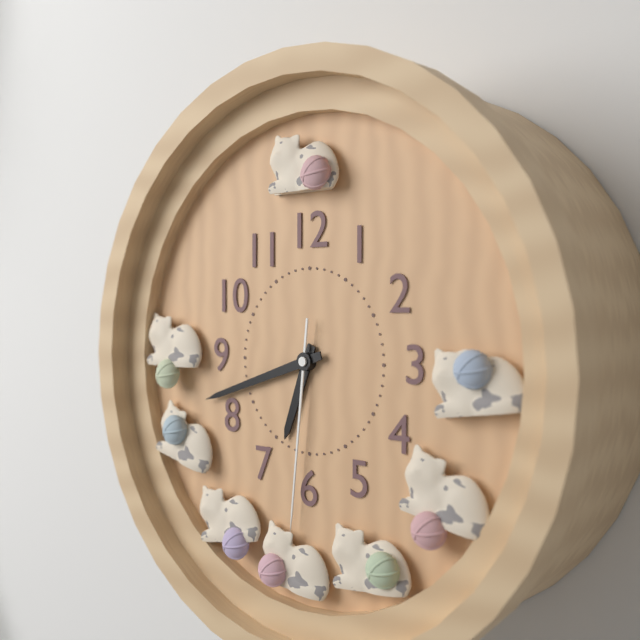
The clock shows 6:42:31
